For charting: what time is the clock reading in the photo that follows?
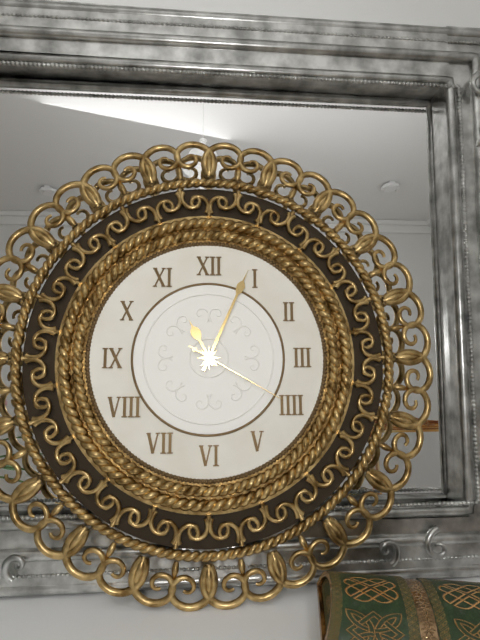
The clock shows 11:04:20
